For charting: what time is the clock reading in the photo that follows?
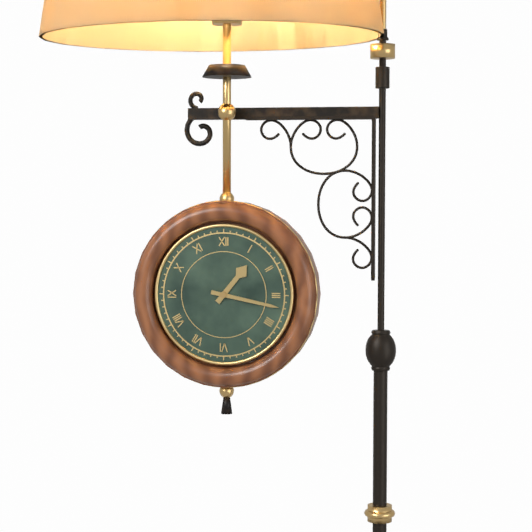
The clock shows 1:17
